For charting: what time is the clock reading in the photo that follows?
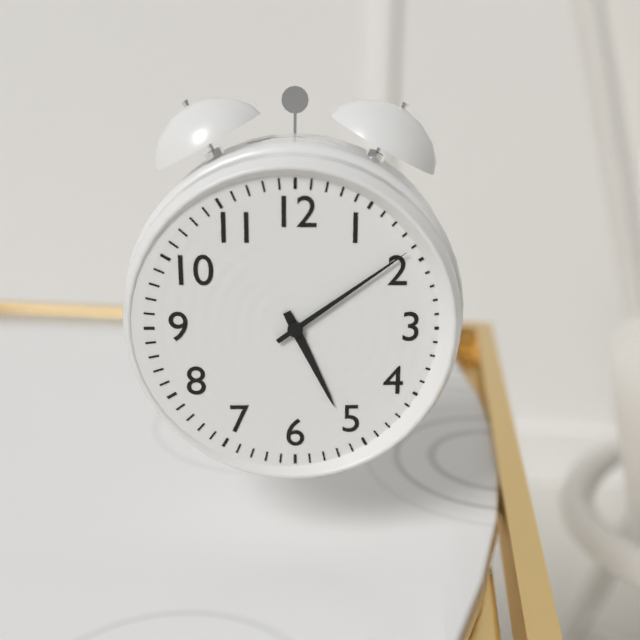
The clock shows 5:09
